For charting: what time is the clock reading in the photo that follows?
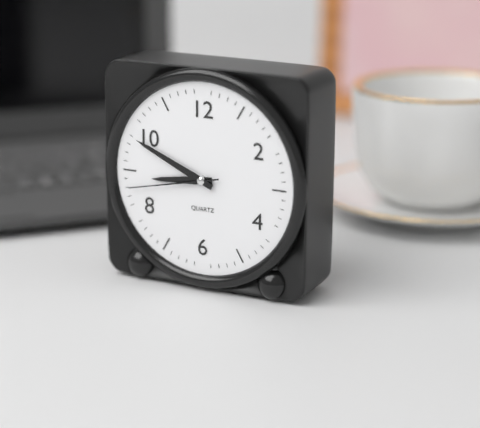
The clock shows 8:49:43
